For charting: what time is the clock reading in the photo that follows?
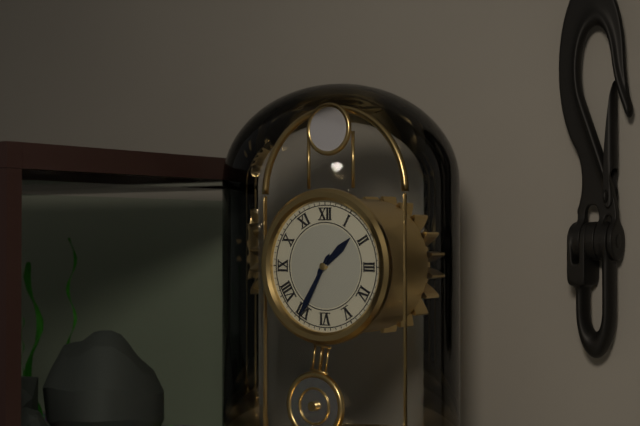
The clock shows 1:35
